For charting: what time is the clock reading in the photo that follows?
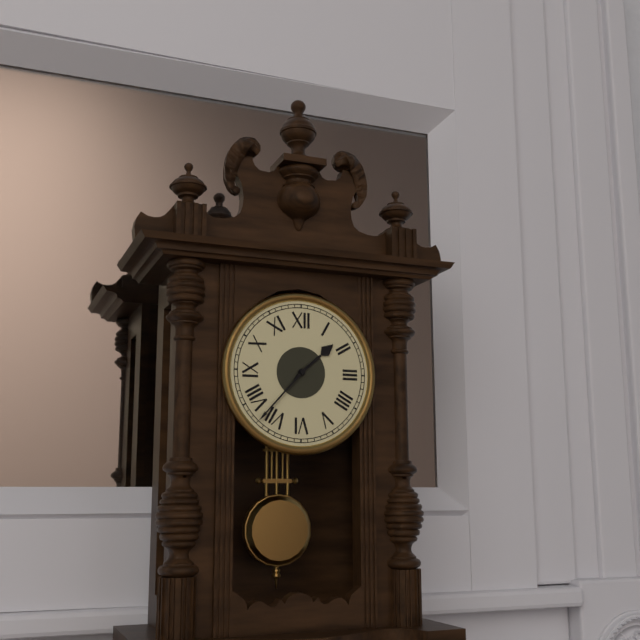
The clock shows 1:37
